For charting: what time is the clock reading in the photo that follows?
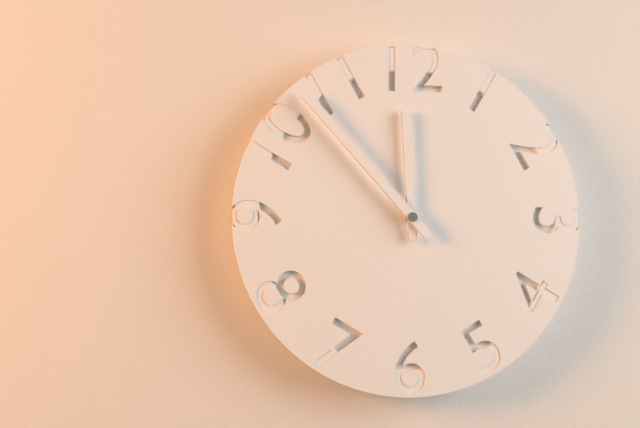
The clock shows 11:53
